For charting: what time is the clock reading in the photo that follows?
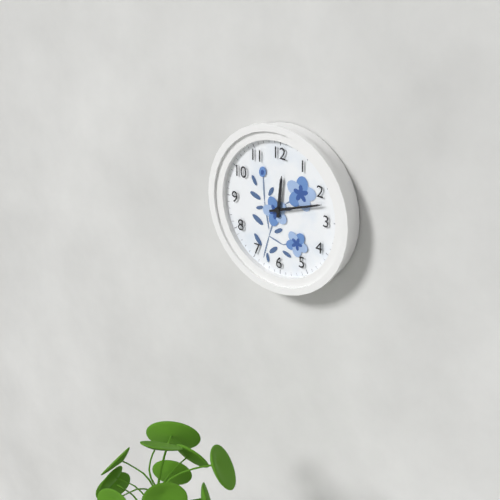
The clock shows 12:12
